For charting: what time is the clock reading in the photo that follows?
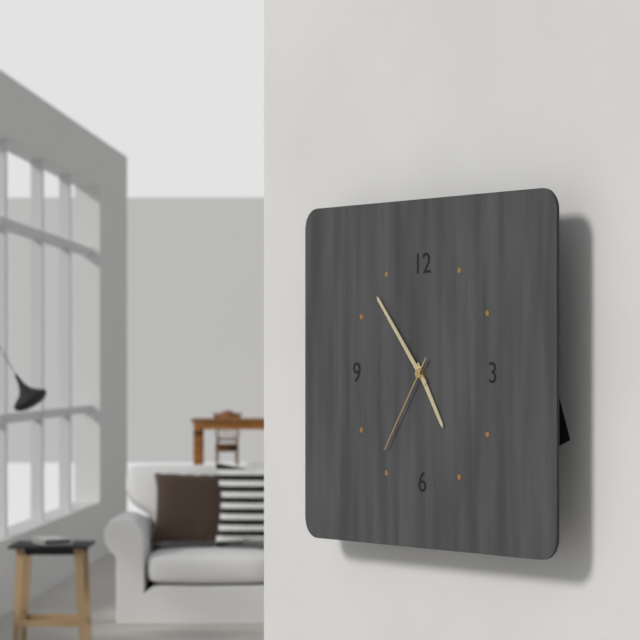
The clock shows 4:53:36
